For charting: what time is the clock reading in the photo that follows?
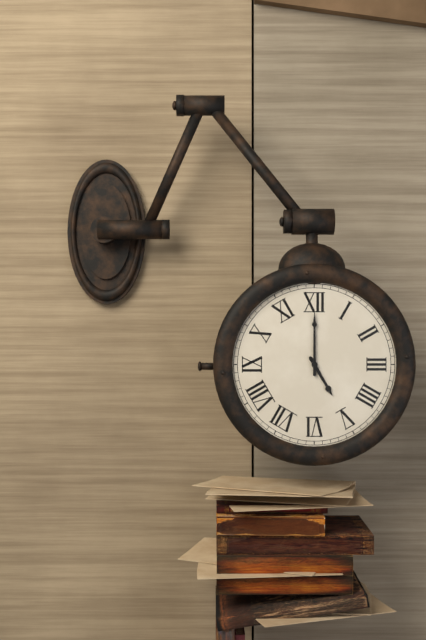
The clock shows 5:00
